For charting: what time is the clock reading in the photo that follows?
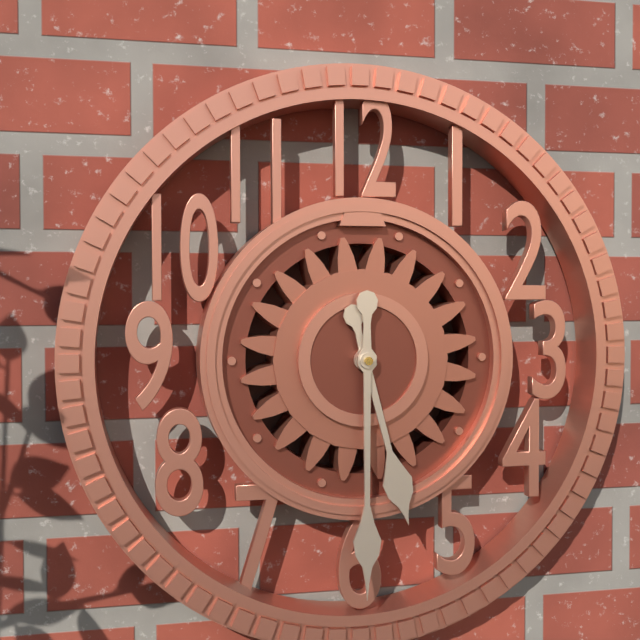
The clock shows 5:30
